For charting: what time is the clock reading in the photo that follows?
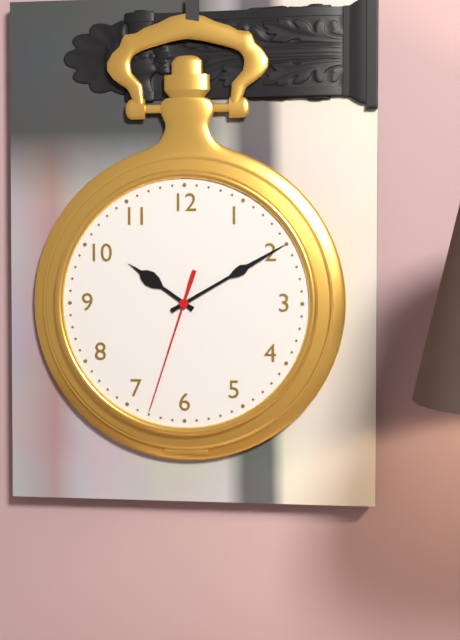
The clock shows 10:10:33
